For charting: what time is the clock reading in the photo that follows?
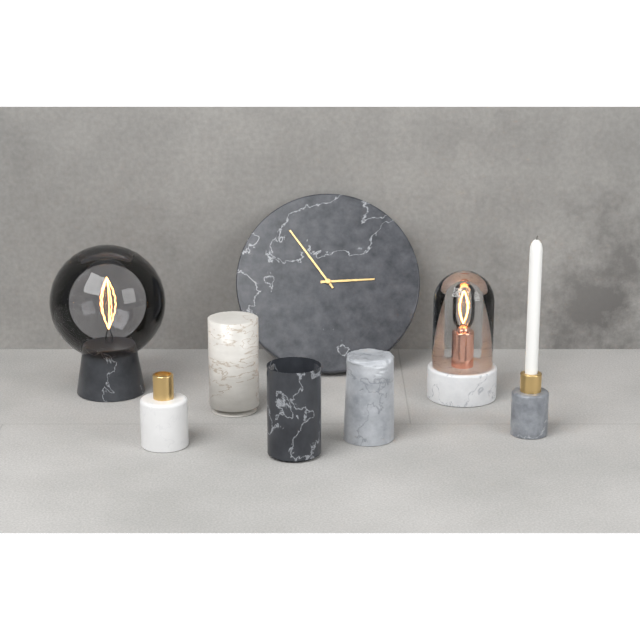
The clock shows 2:54
